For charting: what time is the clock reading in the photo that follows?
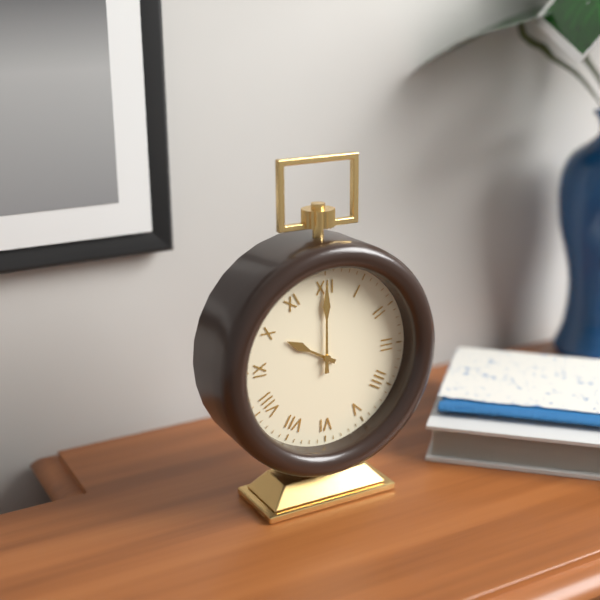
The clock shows 10:00
